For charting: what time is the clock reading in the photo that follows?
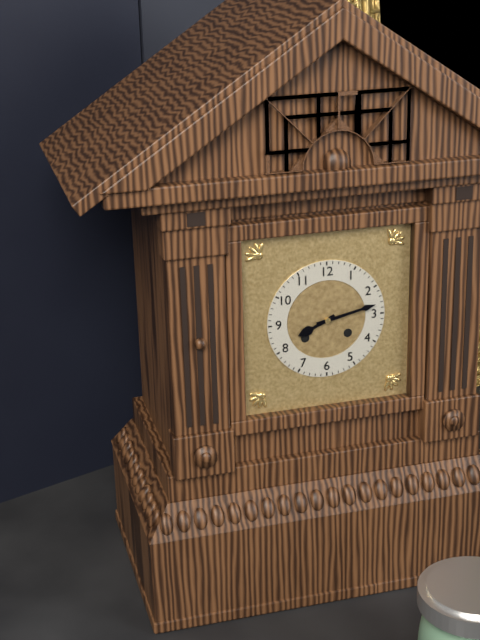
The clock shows 8:13
